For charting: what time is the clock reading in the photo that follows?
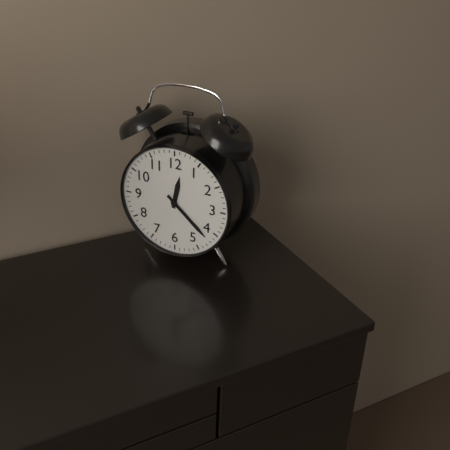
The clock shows 12:22
